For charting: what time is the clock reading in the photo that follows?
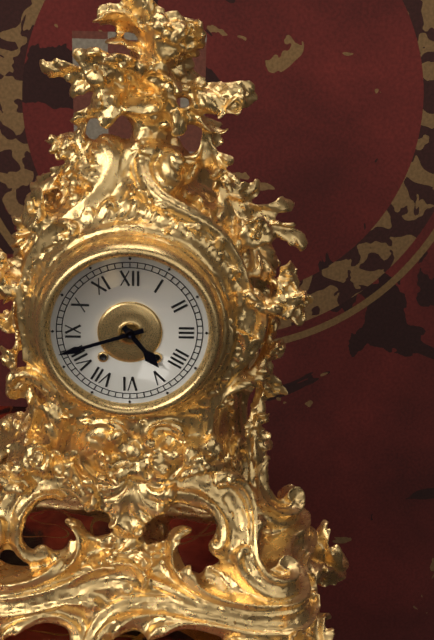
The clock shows 4:42
